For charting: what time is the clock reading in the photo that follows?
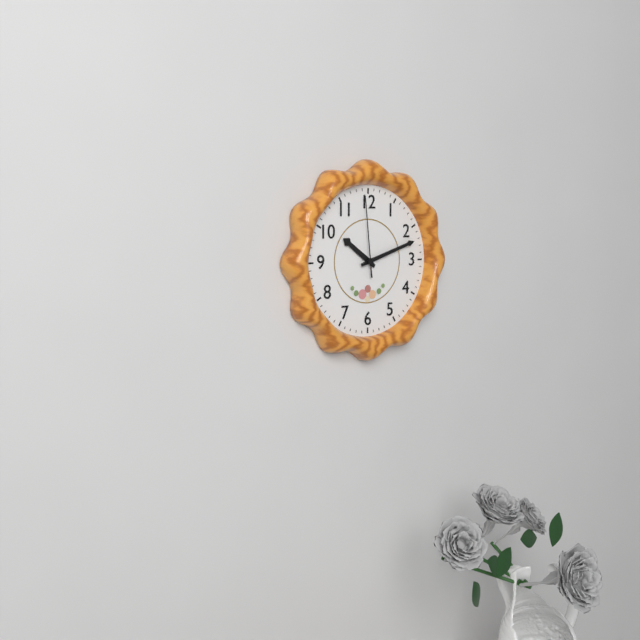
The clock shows 10:12:59
